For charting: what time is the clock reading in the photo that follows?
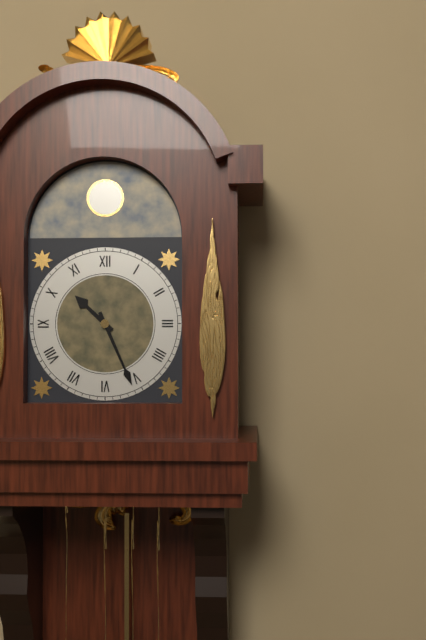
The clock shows 10:26
